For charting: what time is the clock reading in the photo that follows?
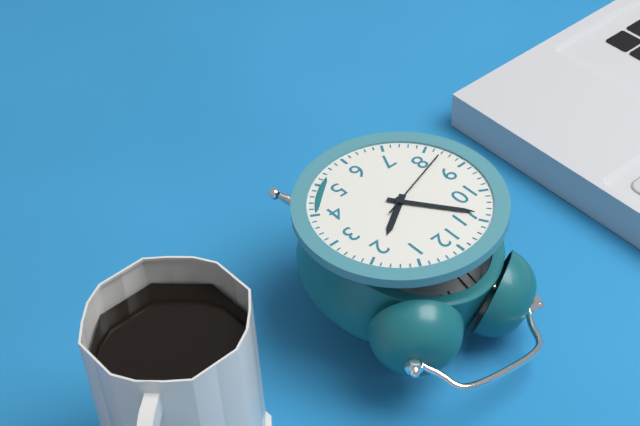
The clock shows 1:54:42
